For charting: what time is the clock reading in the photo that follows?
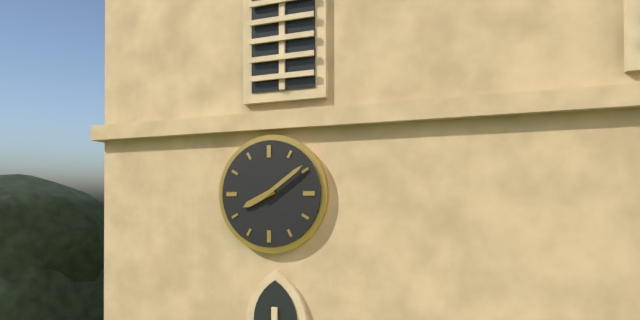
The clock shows 8:09
